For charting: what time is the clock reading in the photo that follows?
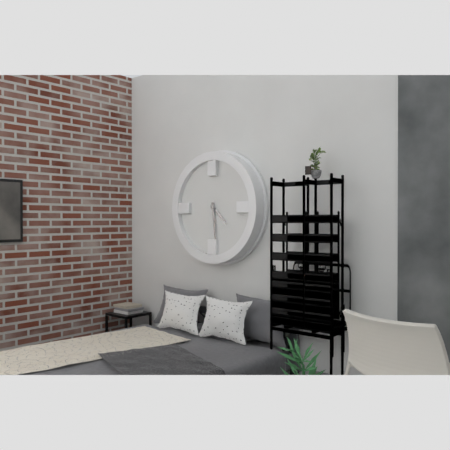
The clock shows 4:29
